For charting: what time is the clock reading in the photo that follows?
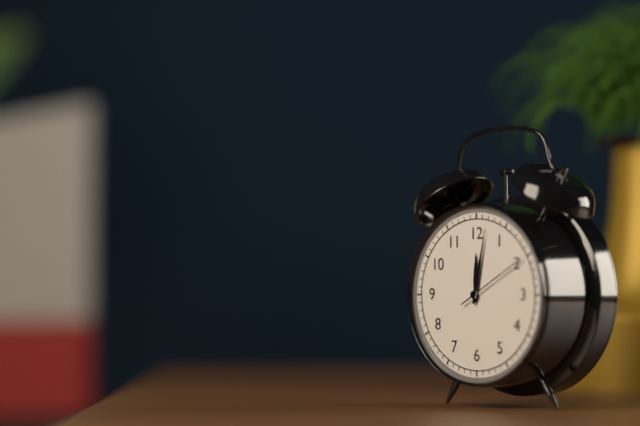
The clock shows 12:02:10
